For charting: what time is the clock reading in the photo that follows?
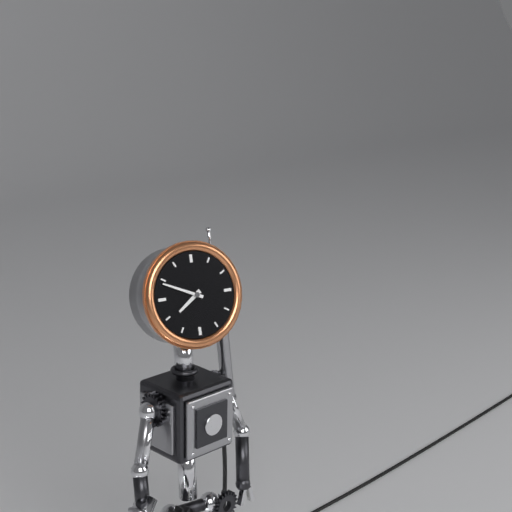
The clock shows 7:49
